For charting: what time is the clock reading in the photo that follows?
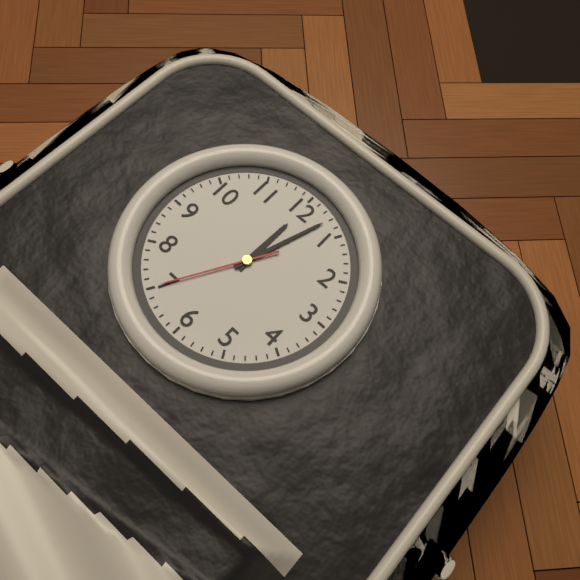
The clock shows 12:03:35
